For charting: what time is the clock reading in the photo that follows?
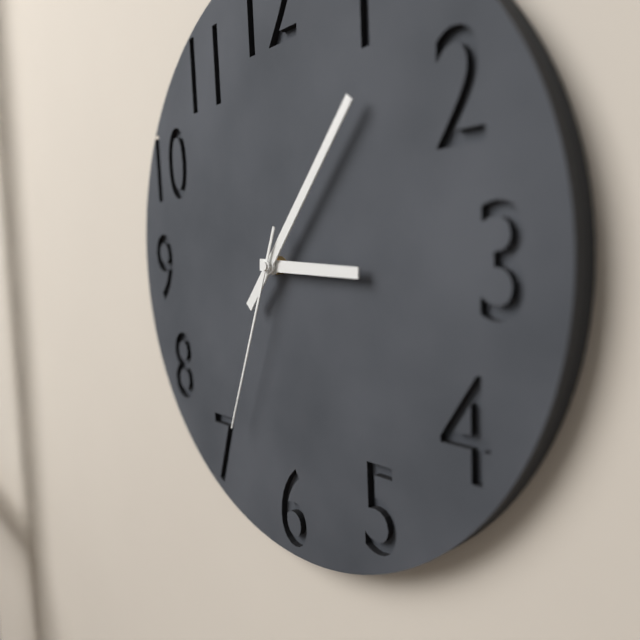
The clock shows 3:07:34
